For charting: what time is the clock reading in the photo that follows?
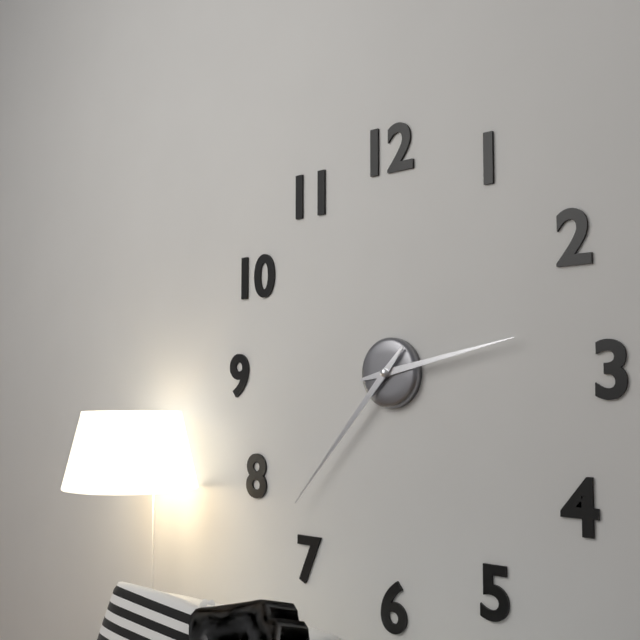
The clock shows 2:37
